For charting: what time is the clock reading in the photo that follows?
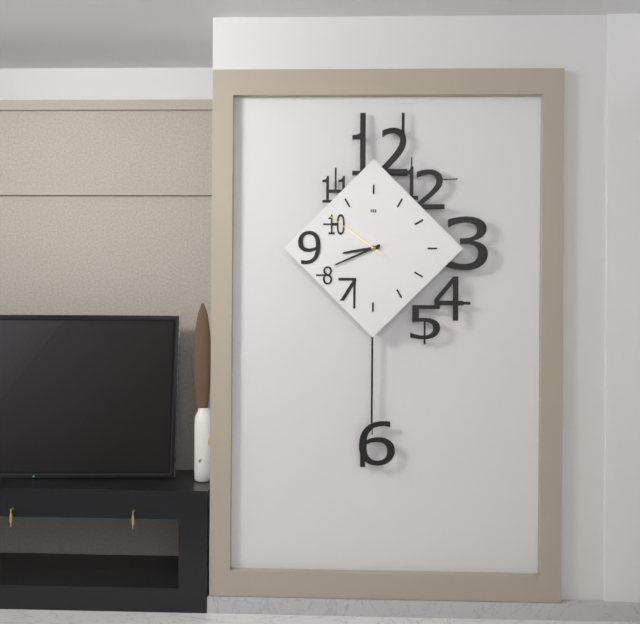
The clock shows 8:41:51
